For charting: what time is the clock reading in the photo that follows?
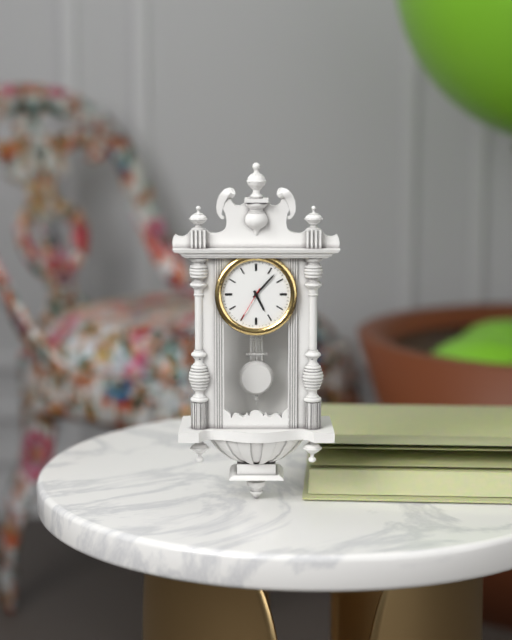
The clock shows 5:07
